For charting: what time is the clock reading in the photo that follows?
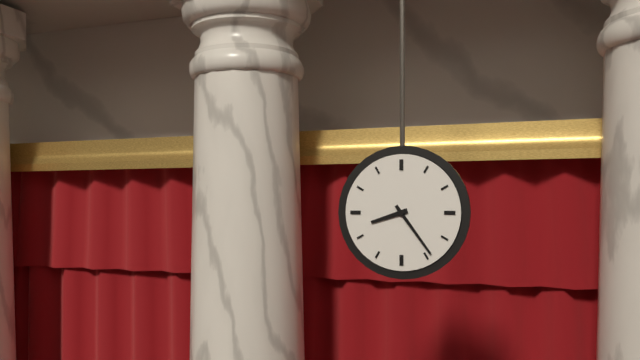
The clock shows 8:24
